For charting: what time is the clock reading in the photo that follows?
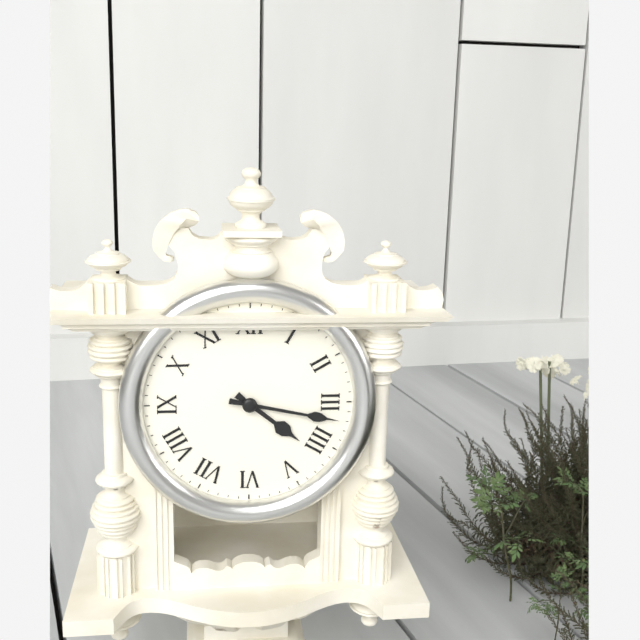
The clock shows 4:17
